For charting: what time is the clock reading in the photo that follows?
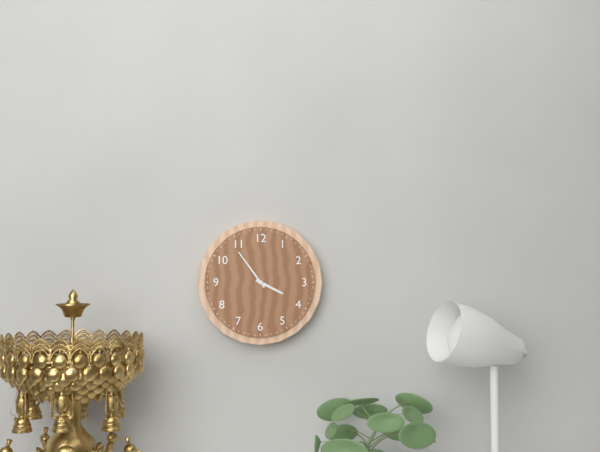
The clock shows 3:54
